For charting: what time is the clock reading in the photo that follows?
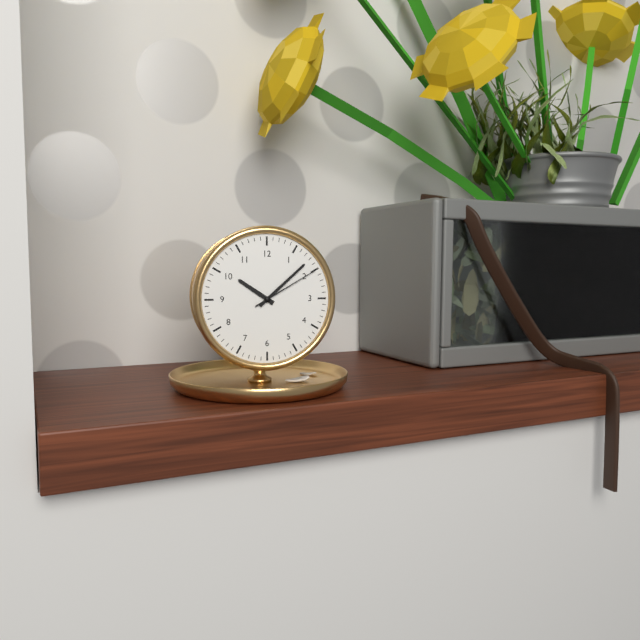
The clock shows 10:08:10
